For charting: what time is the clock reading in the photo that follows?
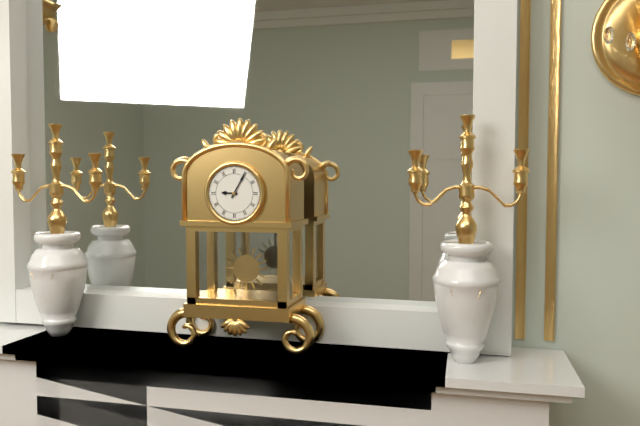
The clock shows 9:05
